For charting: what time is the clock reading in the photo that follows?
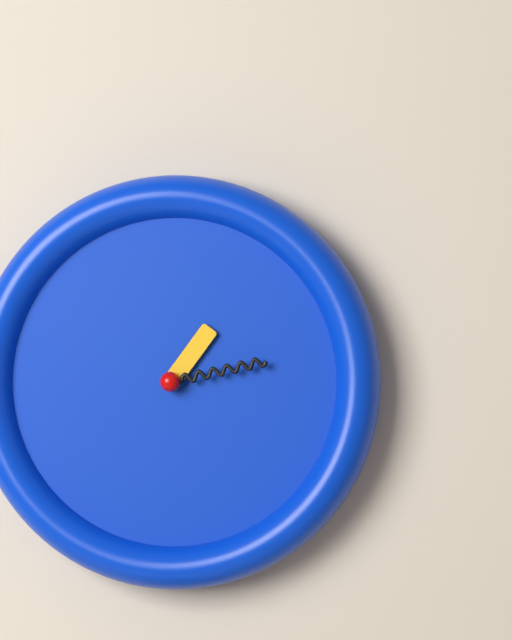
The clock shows 1:13
